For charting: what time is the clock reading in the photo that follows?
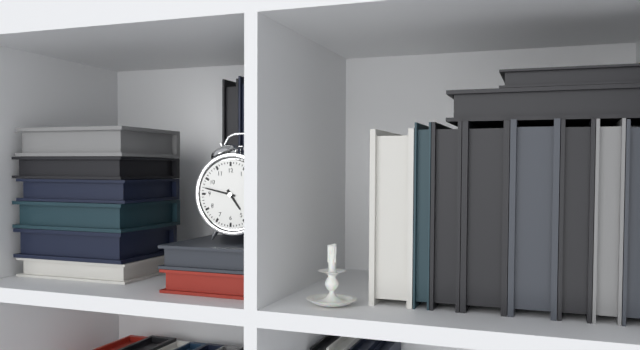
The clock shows 4:47
